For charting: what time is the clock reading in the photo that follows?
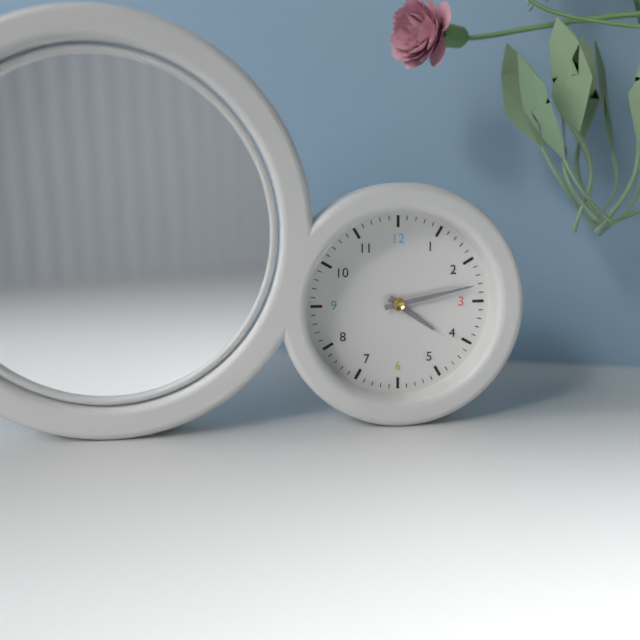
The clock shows 4:13
